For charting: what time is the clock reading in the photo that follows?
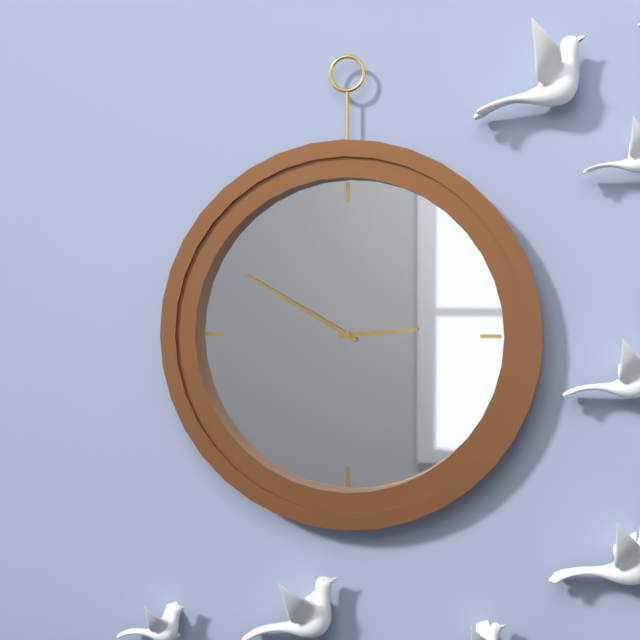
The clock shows 2:50
